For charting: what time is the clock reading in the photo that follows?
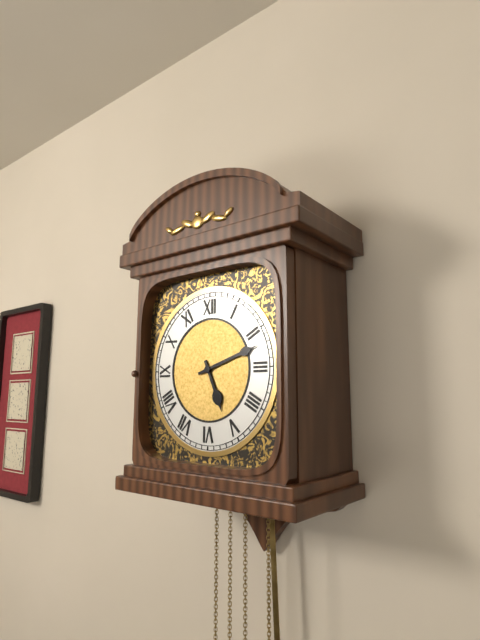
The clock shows 5:12
